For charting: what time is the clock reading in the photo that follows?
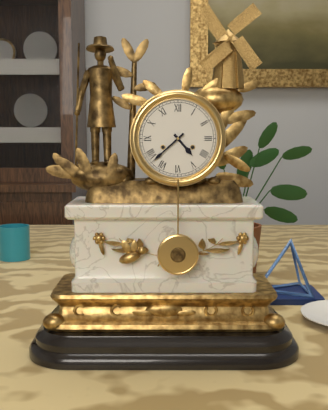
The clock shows 4:38
